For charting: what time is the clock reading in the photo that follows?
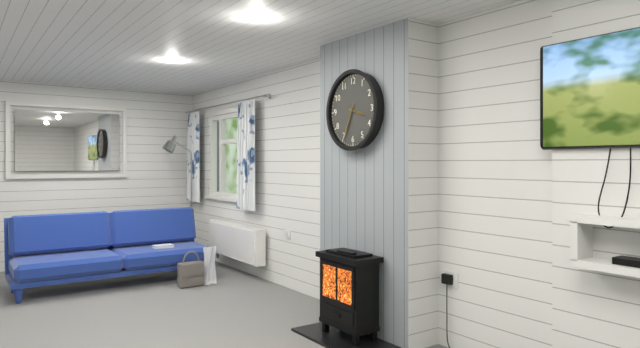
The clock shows 3:34
